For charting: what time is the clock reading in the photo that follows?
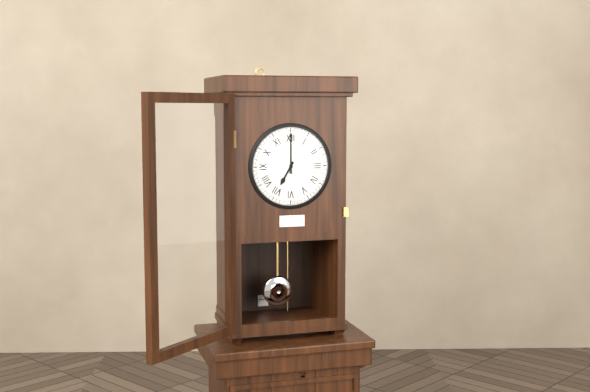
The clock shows 7:00
